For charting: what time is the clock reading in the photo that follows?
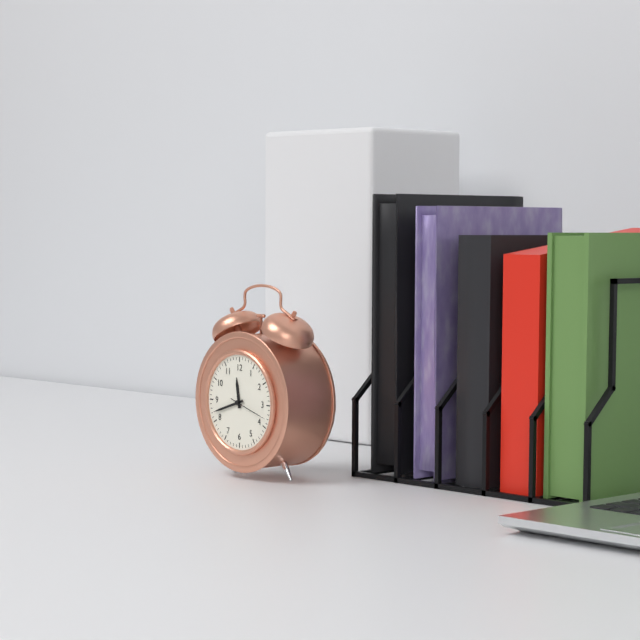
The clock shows 11:42
